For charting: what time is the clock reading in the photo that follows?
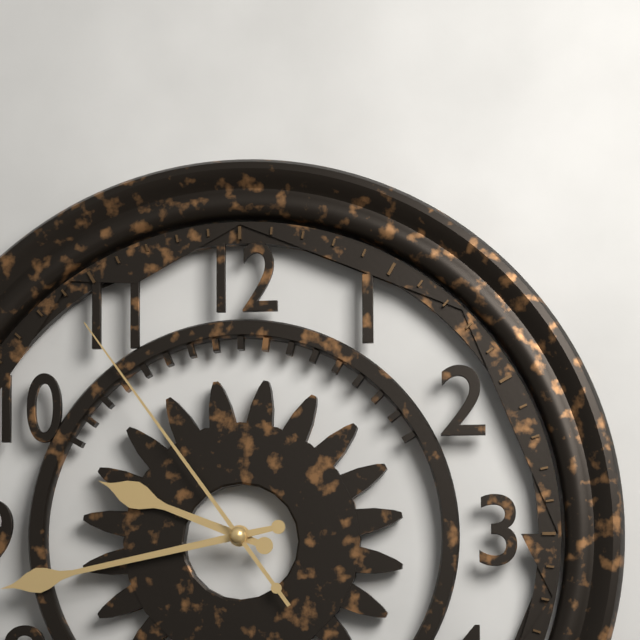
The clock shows 9:43:54
